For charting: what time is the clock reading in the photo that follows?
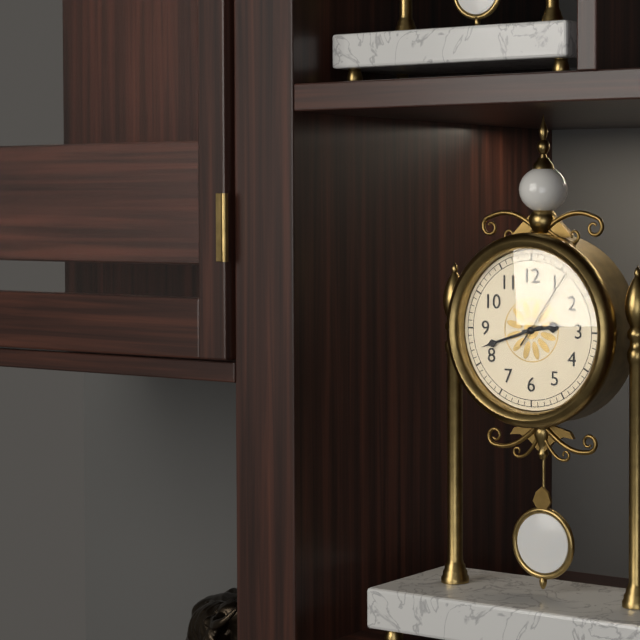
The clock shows 2:42:06
